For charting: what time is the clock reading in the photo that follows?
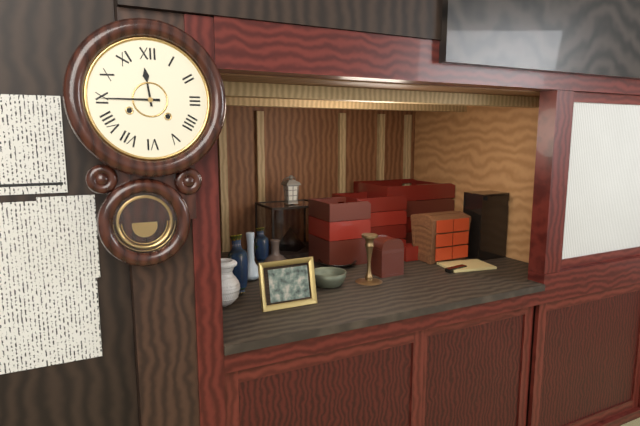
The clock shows 11:45
